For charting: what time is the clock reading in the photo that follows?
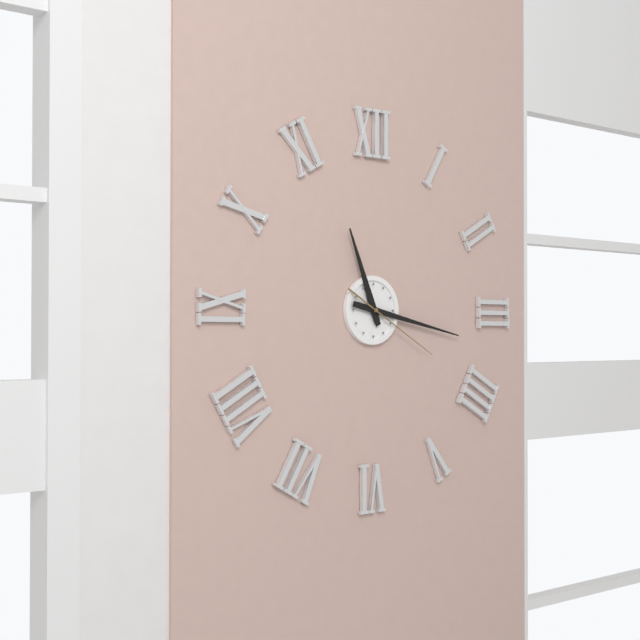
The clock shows 11:17:20
